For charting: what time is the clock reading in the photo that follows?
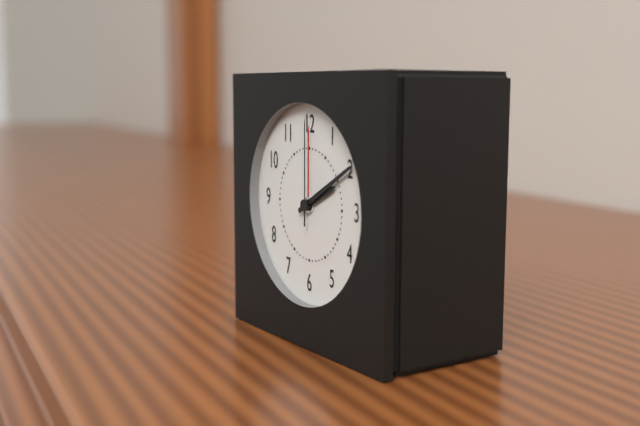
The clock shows 2:10:00
